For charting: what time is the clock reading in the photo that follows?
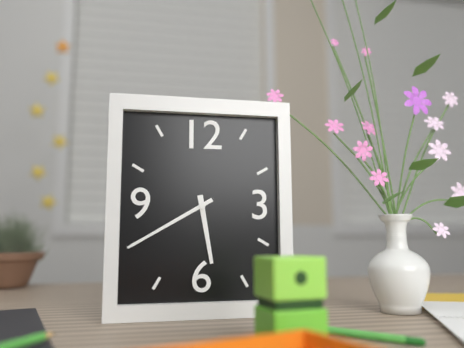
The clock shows 5:40
